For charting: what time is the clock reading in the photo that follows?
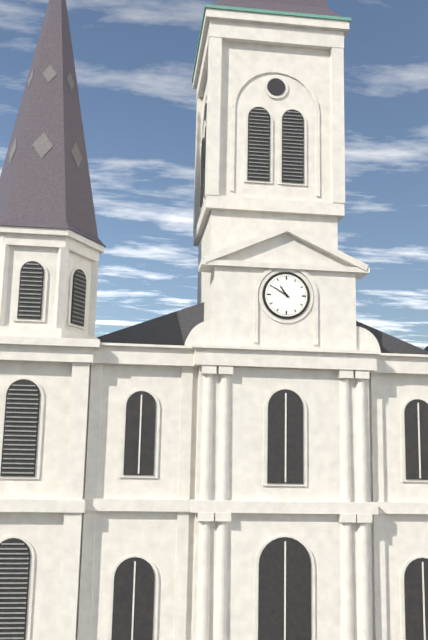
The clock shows 10:50
